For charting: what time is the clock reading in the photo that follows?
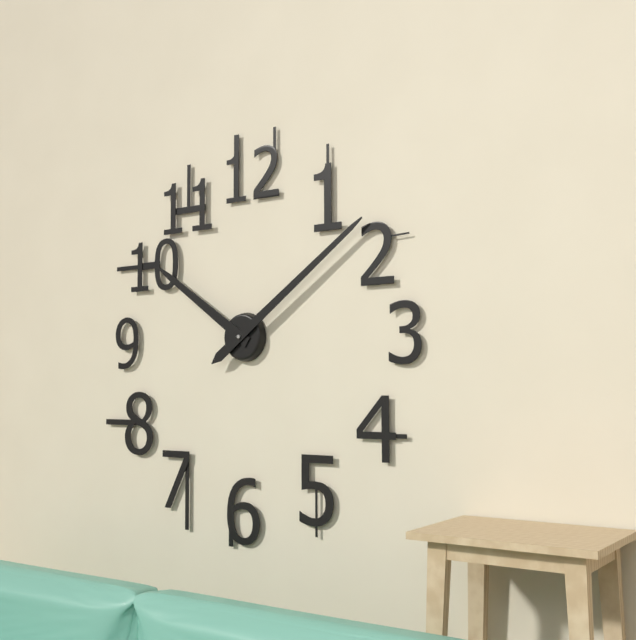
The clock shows 10:09
